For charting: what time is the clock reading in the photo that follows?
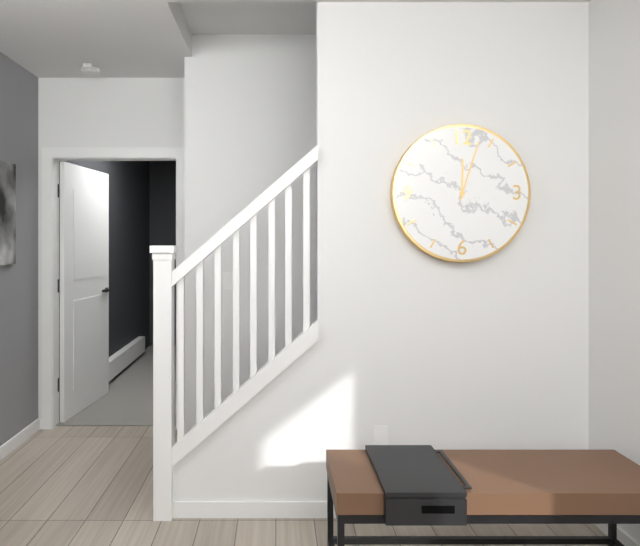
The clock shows 12:03
